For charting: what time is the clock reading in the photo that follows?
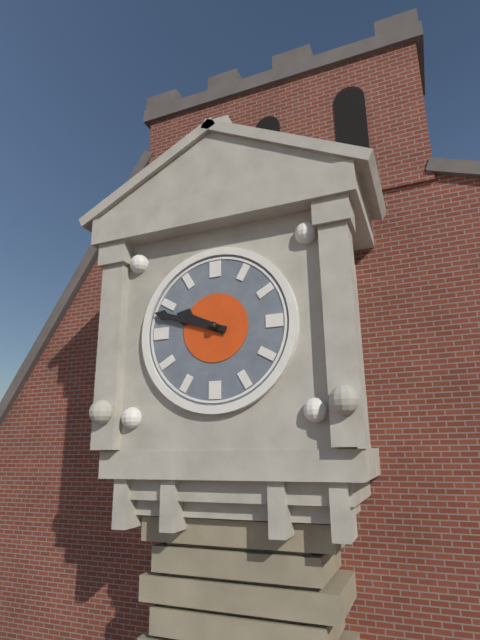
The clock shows 9:48
